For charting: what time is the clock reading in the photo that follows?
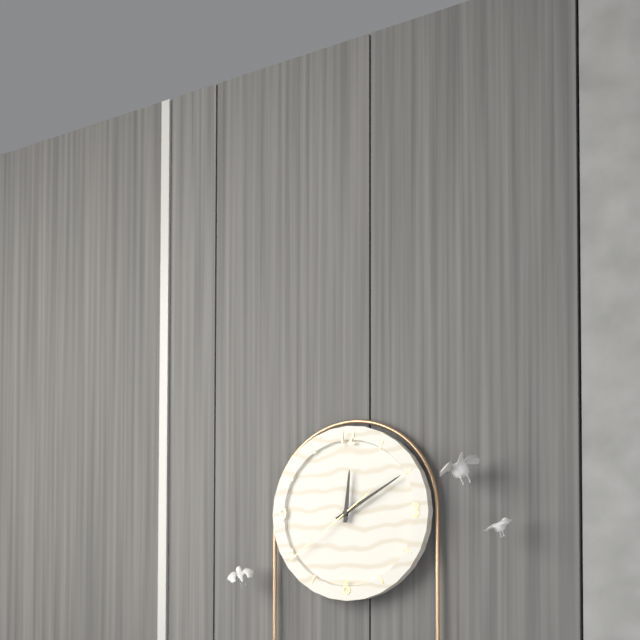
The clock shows 12:10:39
